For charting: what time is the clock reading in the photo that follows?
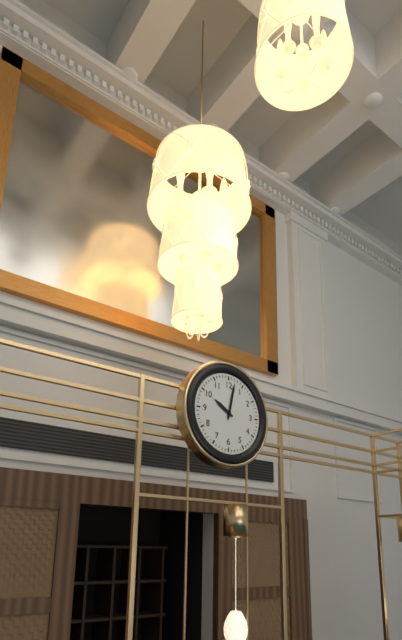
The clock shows 10:02
